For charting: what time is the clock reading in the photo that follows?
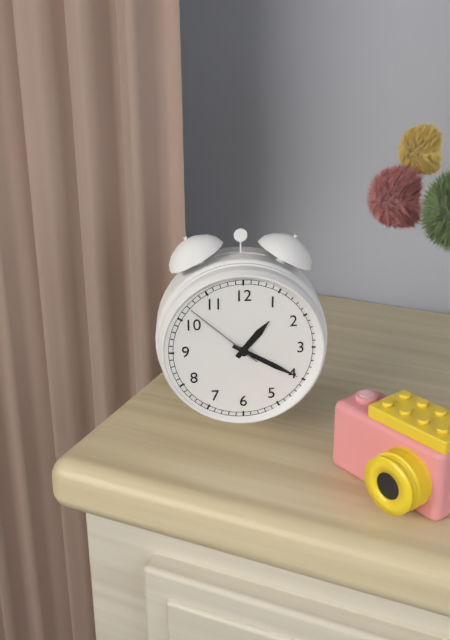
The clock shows 1:20:52
